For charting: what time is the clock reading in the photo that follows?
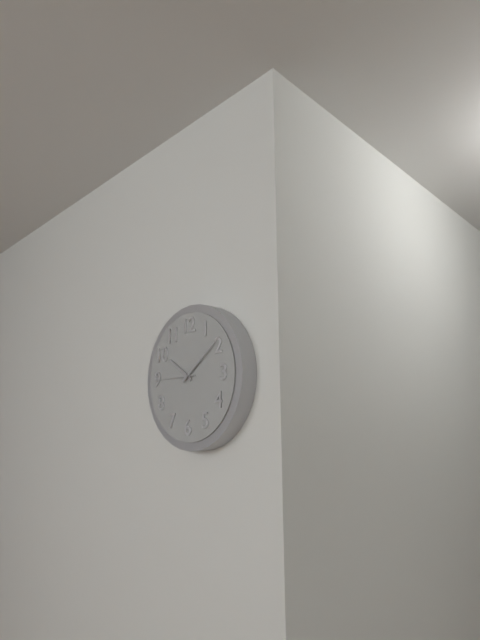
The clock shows 10:09
